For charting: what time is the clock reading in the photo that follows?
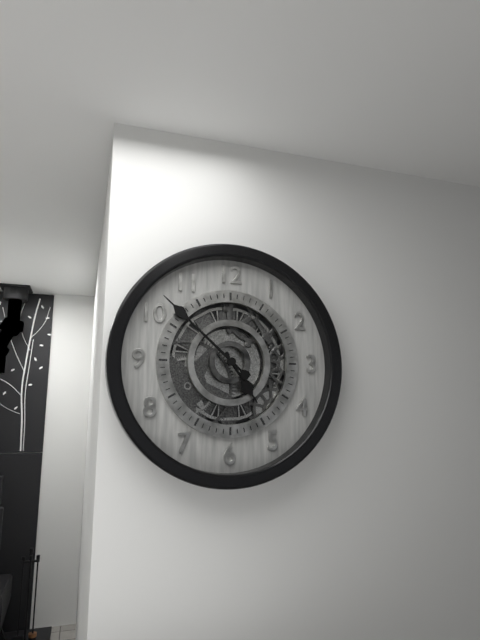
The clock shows 4:52
